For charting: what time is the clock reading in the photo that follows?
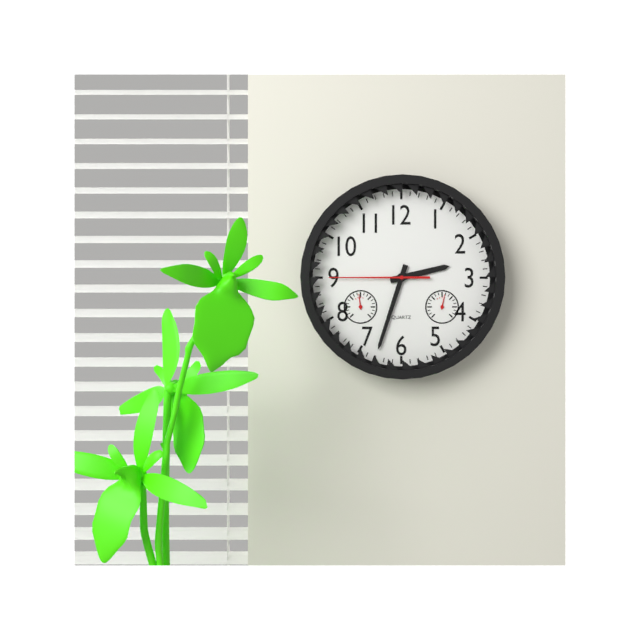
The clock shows 2:33:45
